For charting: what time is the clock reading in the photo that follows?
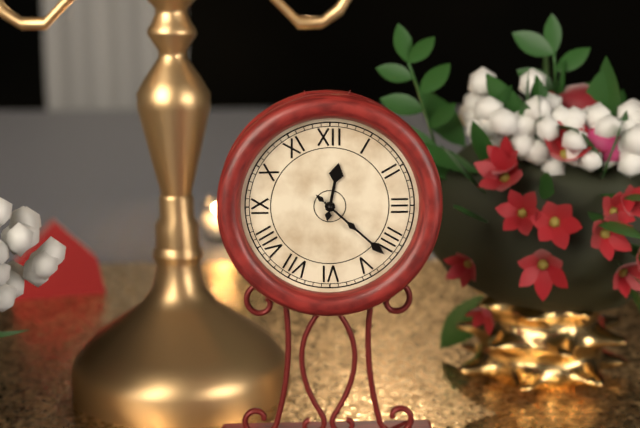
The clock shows 12:22
